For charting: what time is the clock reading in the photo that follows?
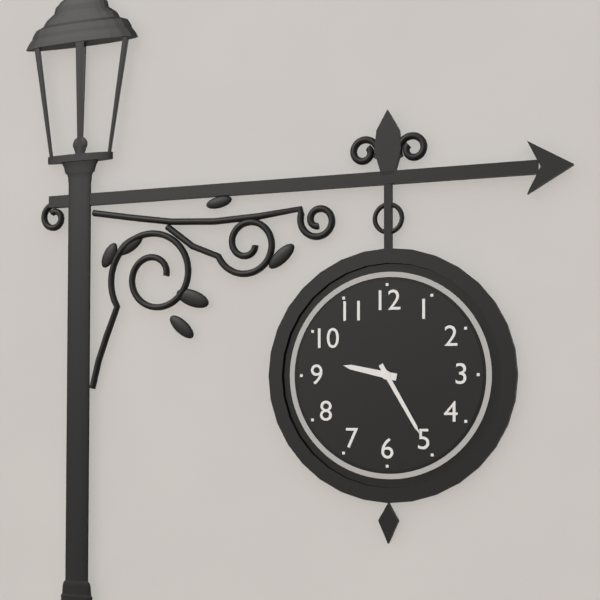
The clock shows 9:25
